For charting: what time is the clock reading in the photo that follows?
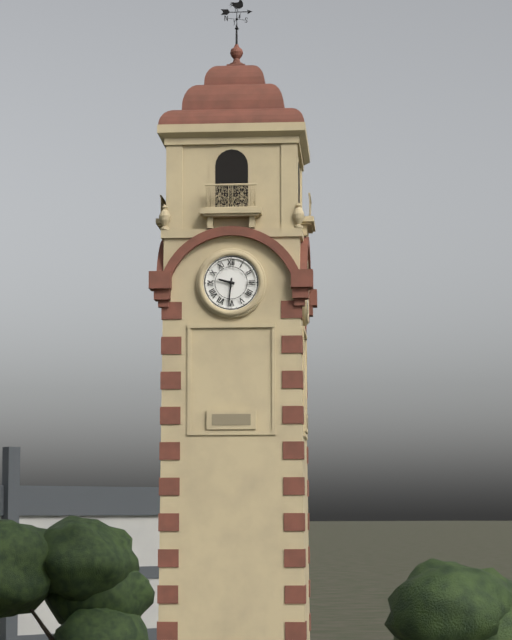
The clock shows 9:31
